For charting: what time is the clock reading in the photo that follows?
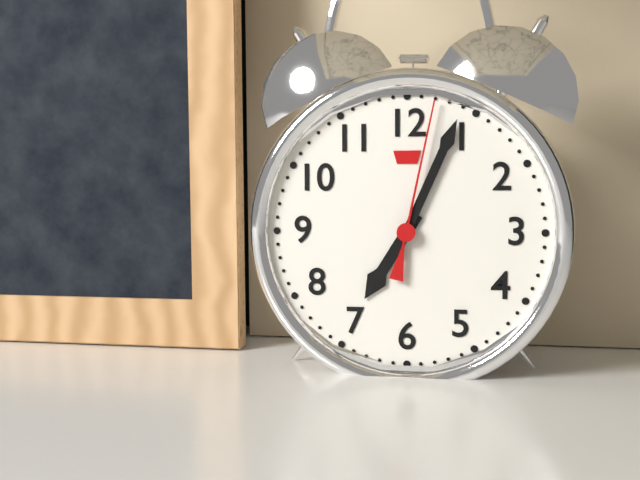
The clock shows 7:04:02
